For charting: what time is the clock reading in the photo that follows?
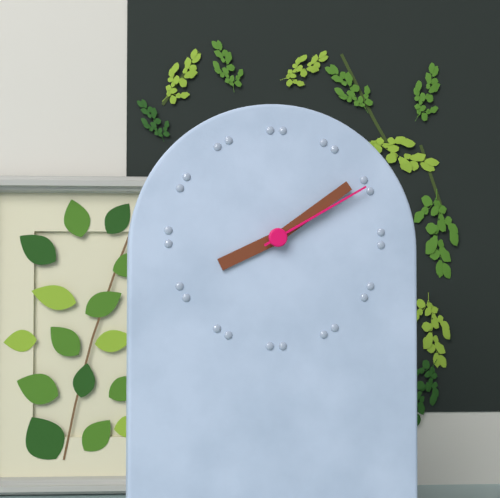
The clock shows 8:09:10
